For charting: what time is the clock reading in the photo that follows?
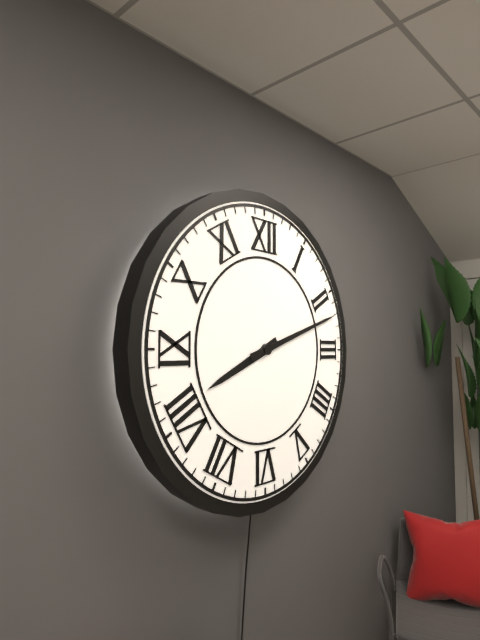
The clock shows 8:12
